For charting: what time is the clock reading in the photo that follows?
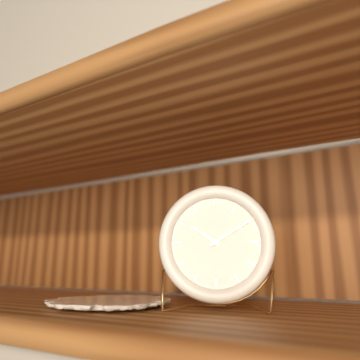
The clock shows 10:10
